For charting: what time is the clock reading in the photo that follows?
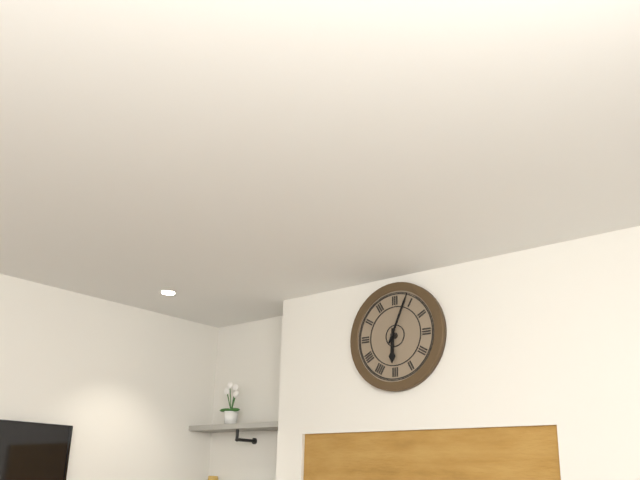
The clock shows 6:04
